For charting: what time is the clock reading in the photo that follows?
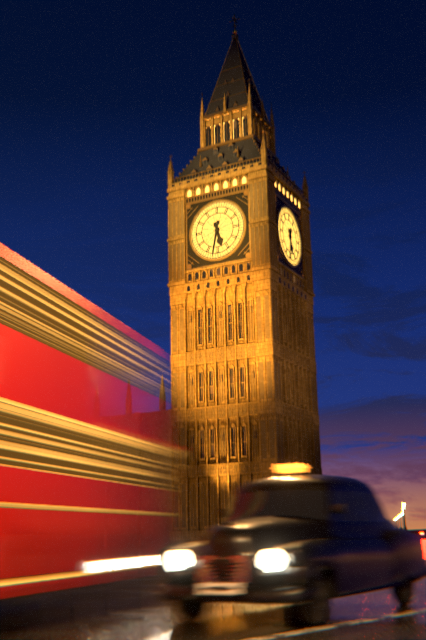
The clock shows 5:32
